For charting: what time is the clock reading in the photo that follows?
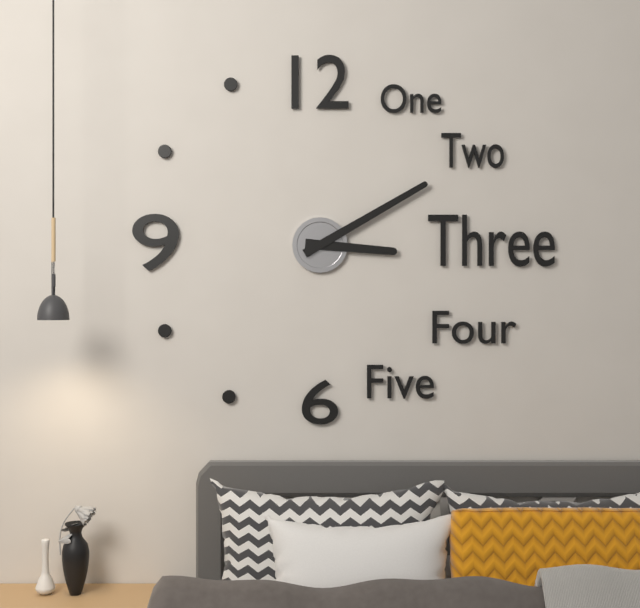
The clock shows 3:10
